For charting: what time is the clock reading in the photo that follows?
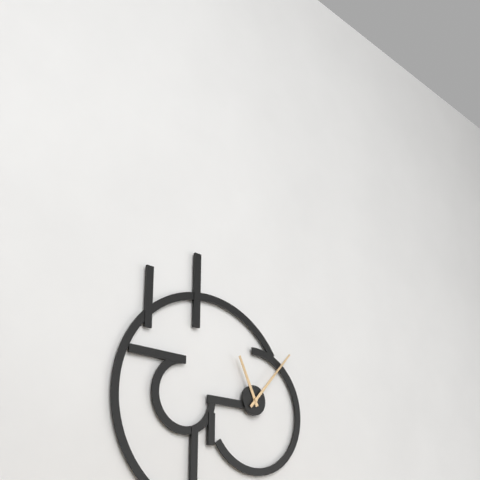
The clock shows 11:07
